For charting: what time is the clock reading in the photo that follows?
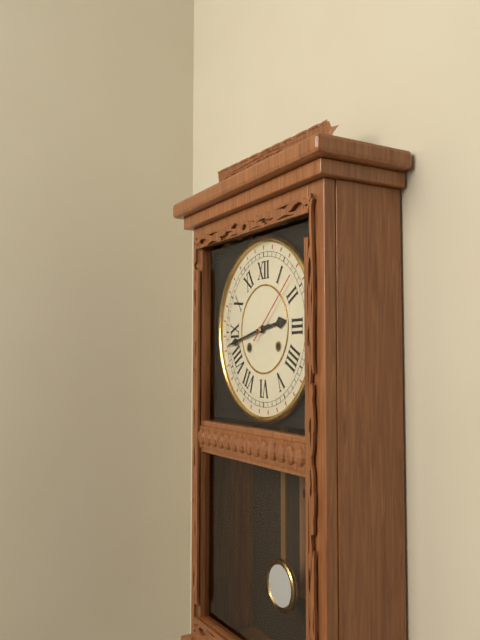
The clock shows 2:43:08
